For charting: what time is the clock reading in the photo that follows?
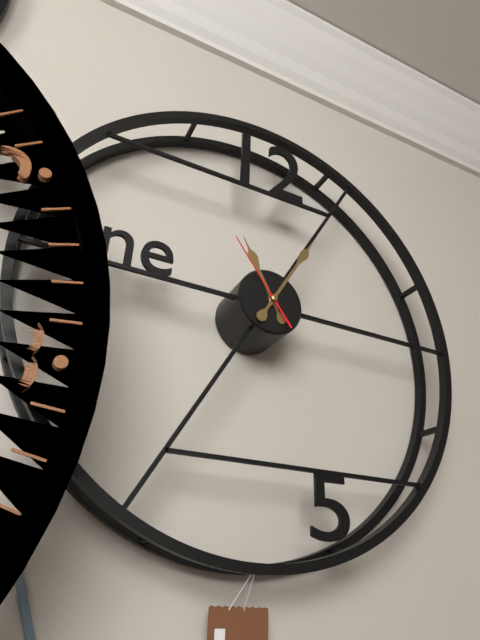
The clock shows 11:05:54
